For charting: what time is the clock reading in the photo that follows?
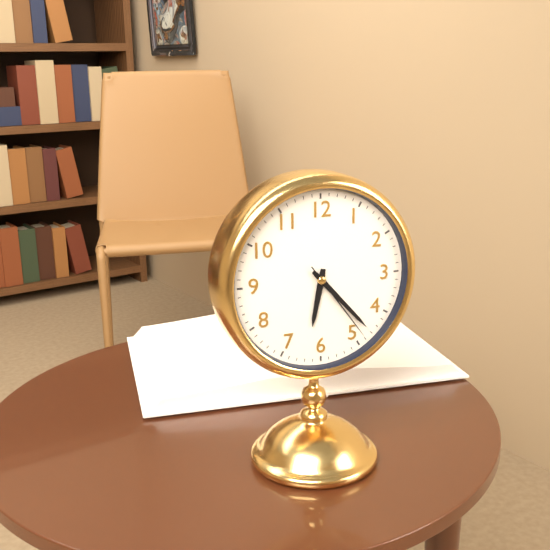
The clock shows 6:23:24
